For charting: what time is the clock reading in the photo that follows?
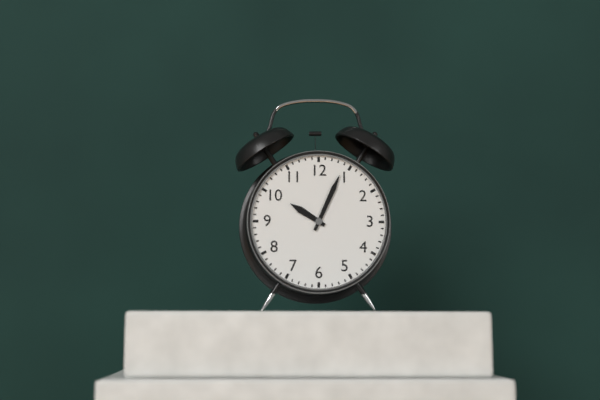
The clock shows 10:04
